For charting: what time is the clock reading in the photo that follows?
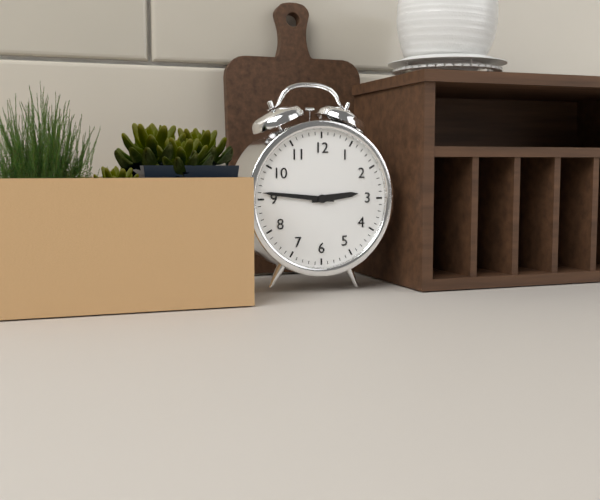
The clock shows 2:46
